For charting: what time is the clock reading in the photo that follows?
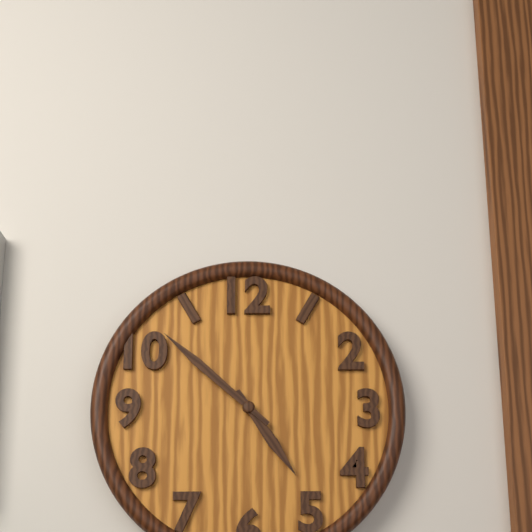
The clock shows 4:52
